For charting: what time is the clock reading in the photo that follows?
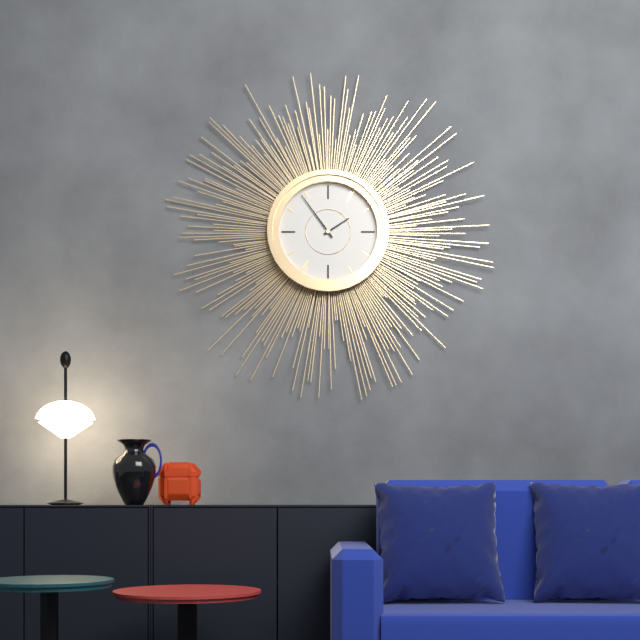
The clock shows 1:54
